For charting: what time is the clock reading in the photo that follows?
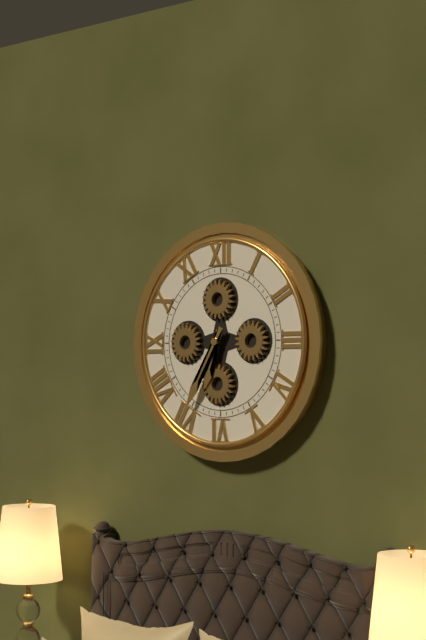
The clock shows 6:35
